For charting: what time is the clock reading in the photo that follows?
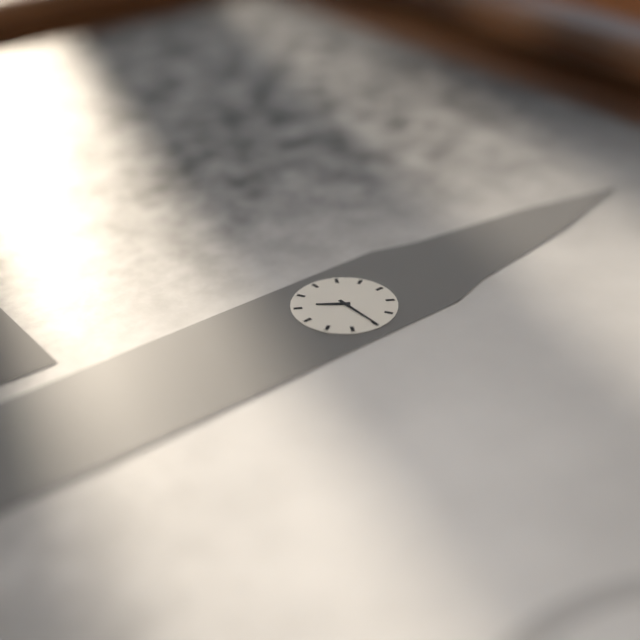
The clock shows 7:15
